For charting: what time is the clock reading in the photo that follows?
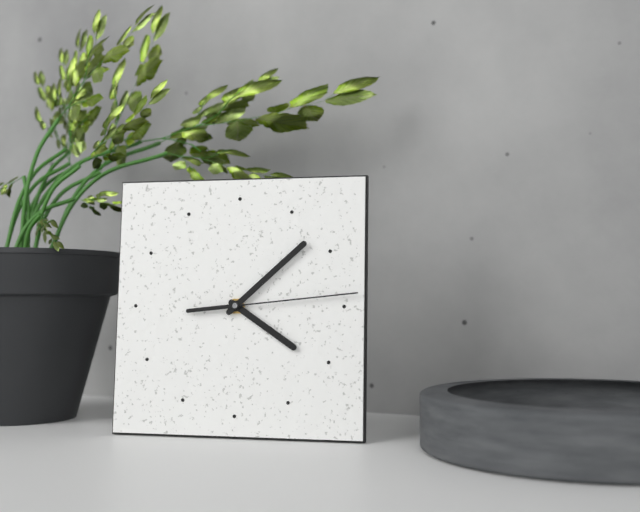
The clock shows 4:08:14
